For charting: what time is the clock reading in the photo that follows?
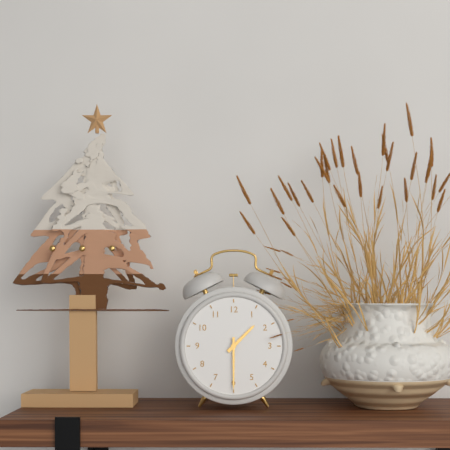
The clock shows 1:30
